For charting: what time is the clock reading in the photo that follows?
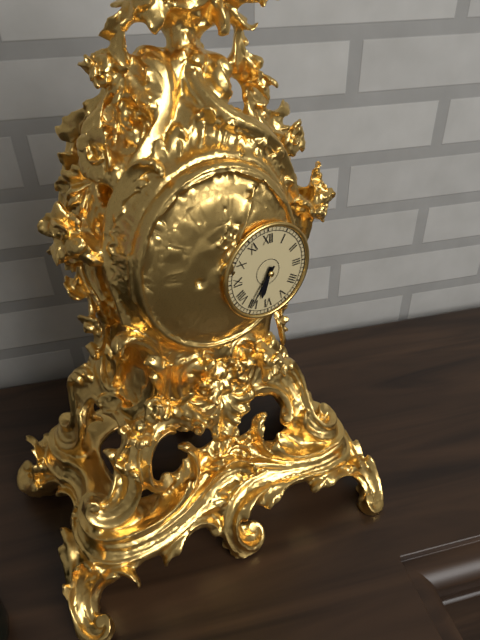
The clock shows 6:36
